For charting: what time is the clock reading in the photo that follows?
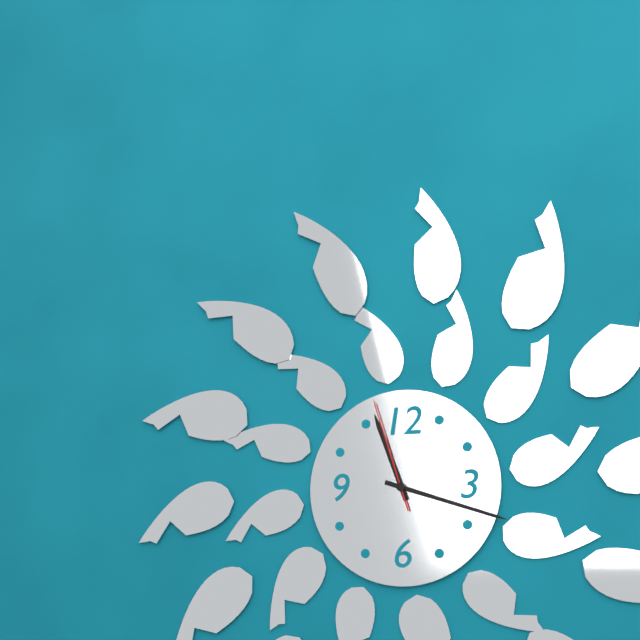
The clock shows 11:18:57
